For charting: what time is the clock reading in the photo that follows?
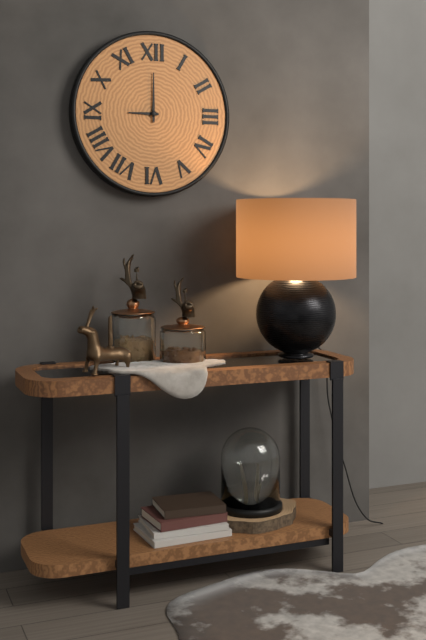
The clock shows 9:00
